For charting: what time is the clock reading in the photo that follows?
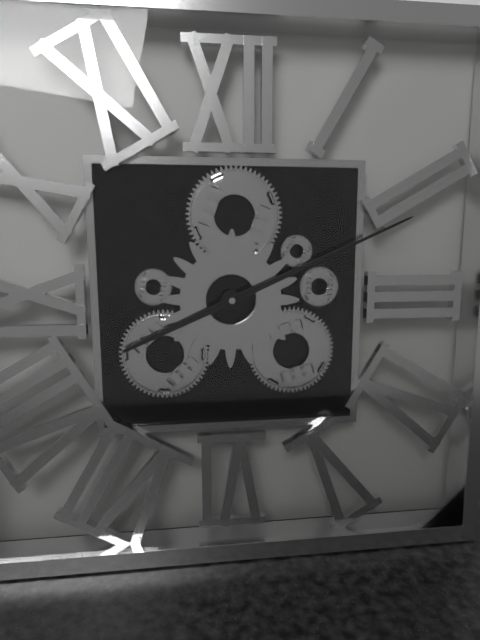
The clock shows 8:11
